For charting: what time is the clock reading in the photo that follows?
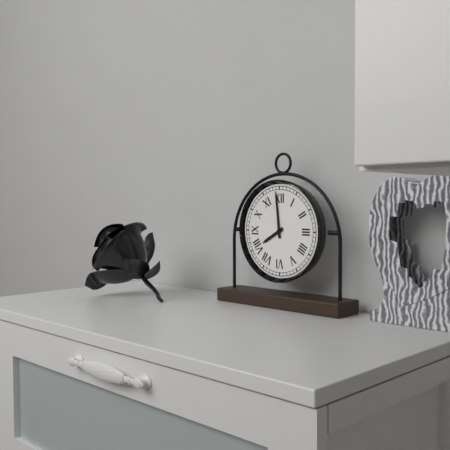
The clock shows 7:59
